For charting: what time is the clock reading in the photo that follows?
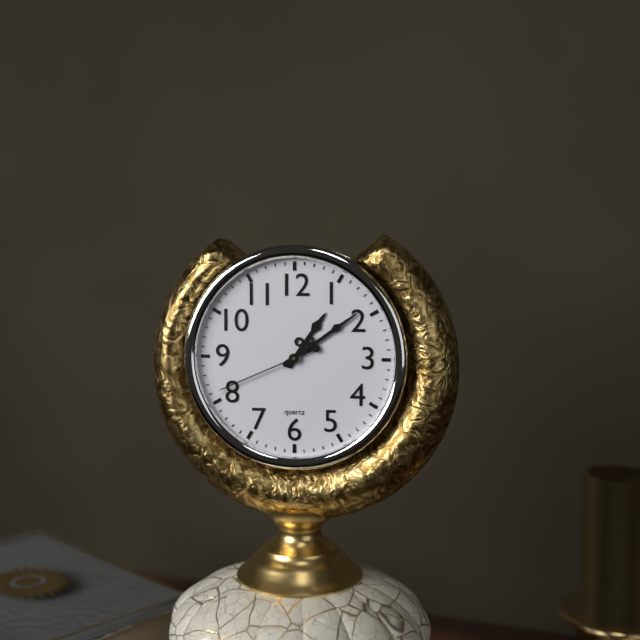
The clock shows 1:09:41
